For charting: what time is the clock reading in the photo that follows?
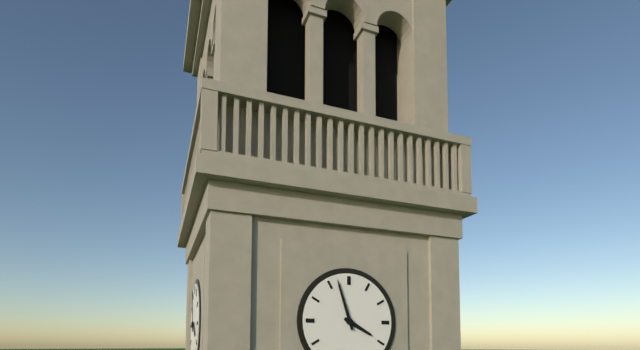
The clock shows 3:57
